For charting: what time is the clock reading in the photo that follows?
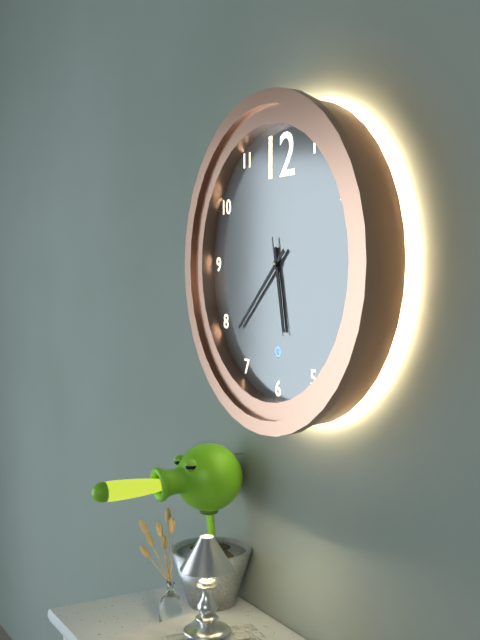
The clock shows 5:38:28
